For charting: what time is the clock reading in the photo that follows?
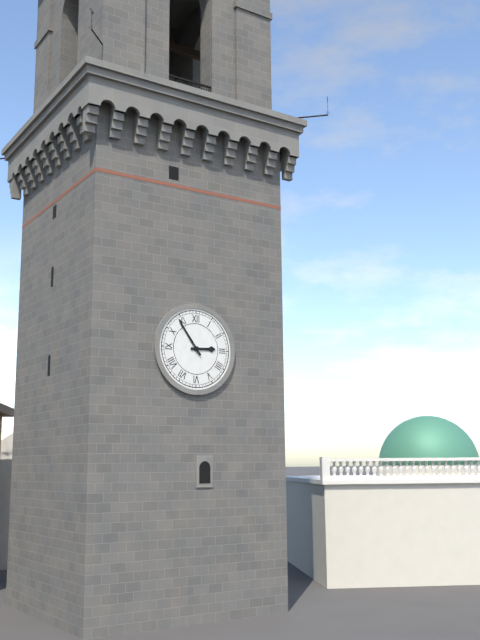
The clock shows 2:54
